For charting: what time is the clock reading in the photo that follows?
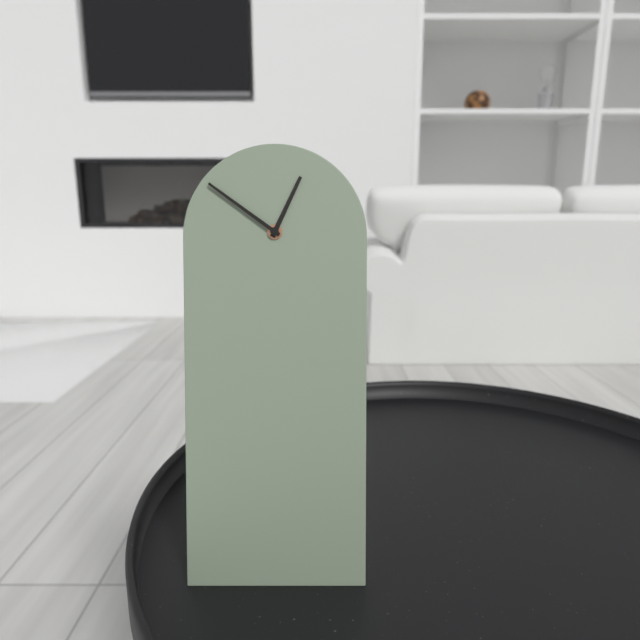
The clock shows 12:51
